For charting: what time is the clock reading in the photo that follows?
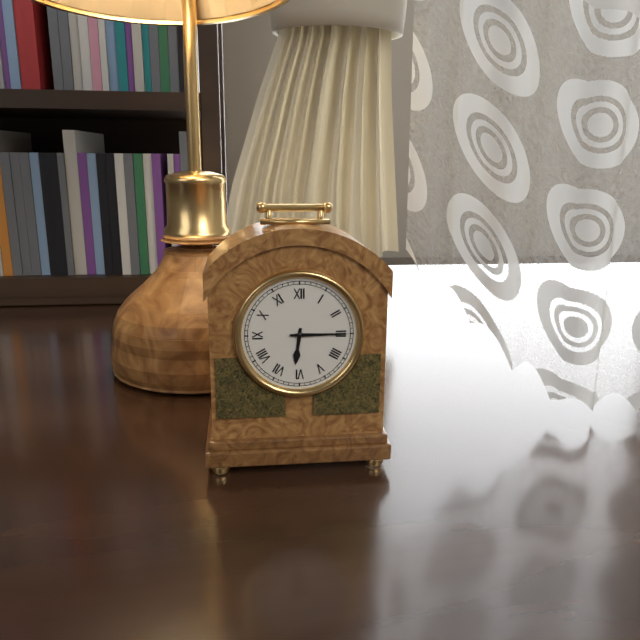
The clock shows 6:15
